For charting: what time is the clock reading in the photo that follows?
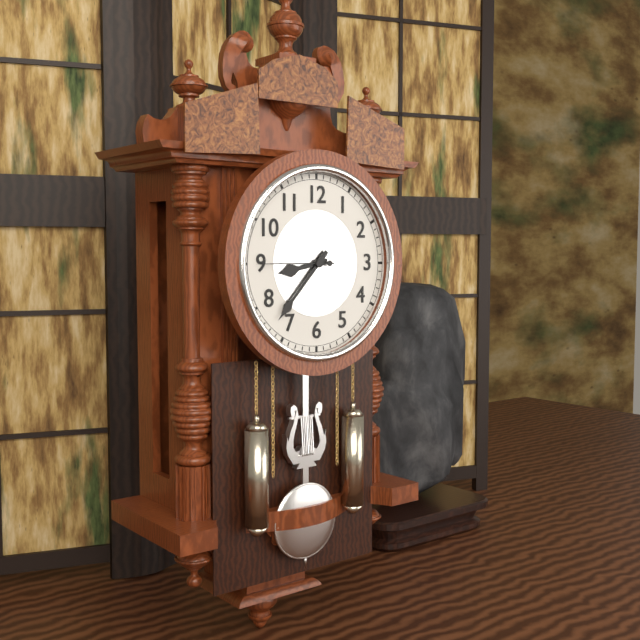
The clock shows 8:37:45
